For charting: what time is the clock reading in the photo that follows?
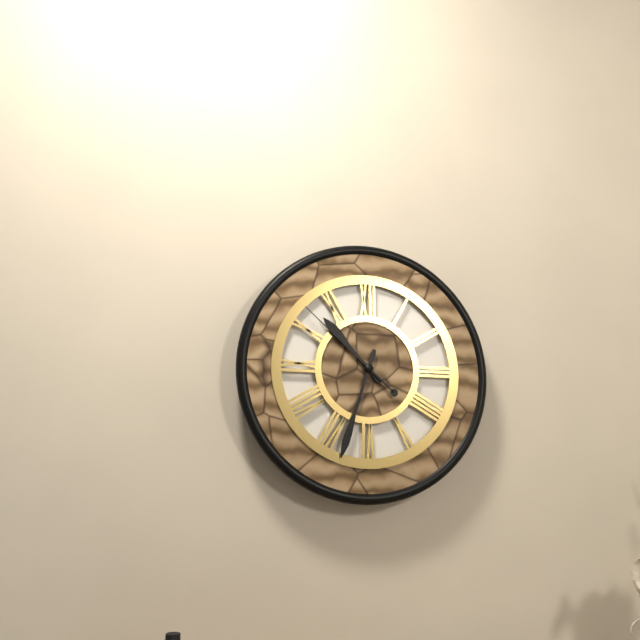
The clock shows 10:33:52
